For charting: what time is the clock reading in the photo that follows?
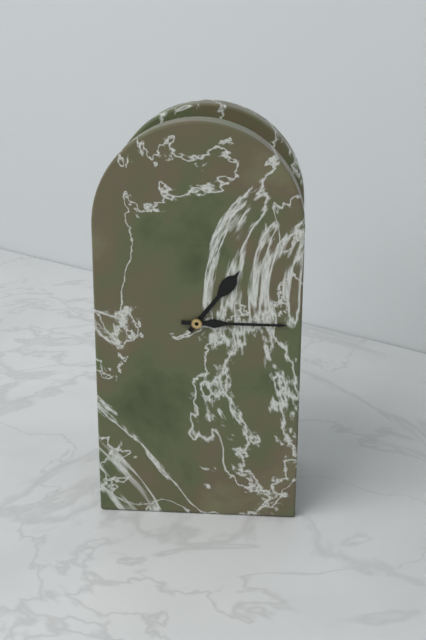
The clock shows 1:15
